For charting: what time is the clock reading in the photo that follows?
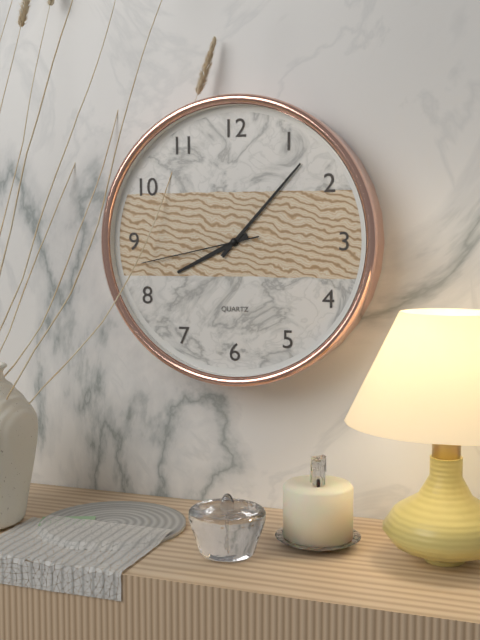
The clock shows 8:07:43
